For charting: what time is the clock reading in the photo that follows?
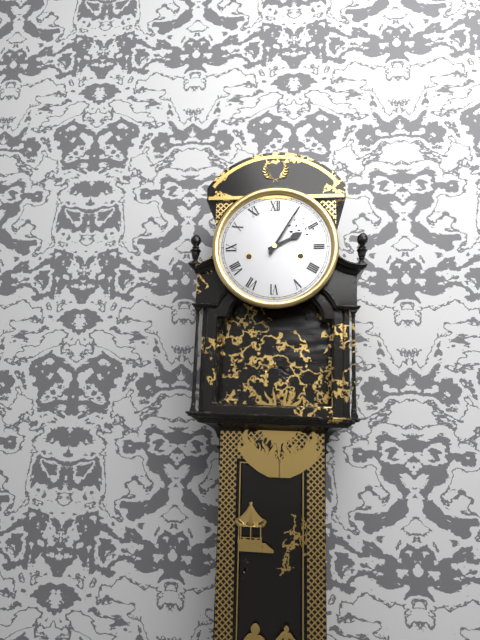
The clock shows 2:05
